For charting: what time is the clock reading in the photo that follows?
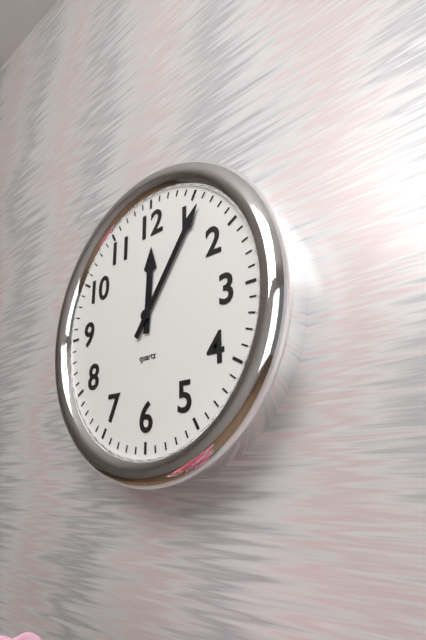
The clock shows 12:06
